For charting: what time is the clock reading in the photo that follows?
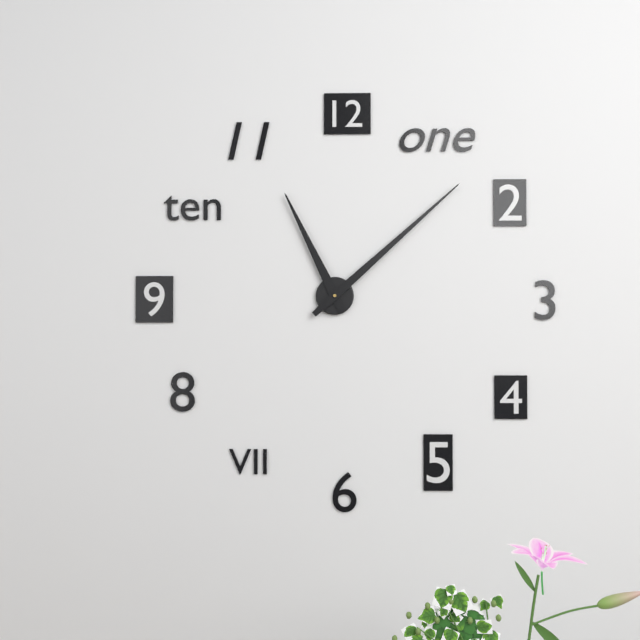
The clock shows 11:08
